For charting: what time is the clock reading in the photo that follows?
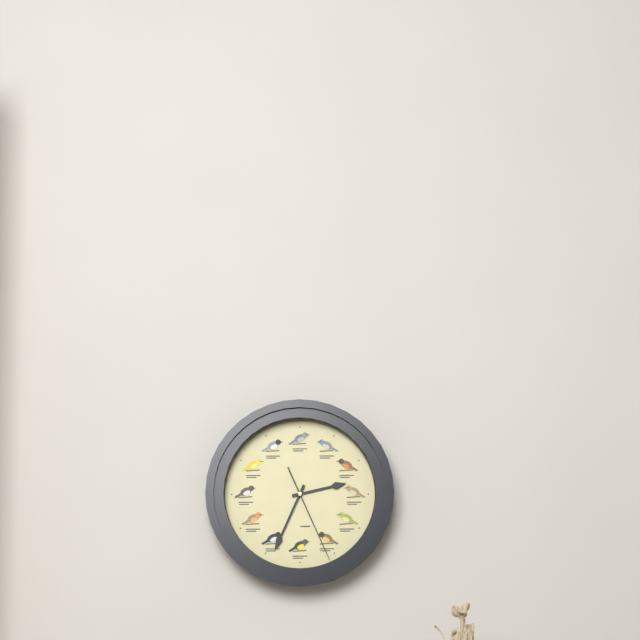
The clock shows 2:34:26
